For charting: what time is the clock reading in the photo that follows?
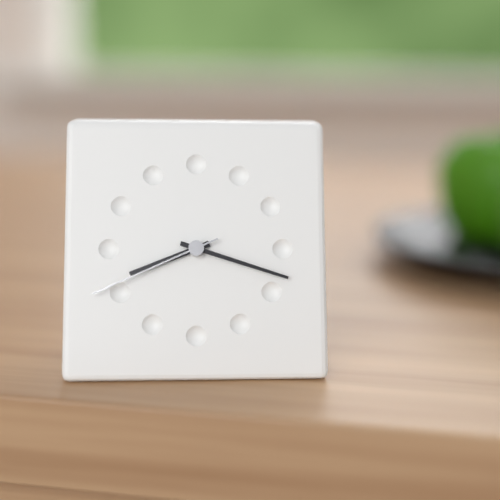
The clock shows 8:18:41
